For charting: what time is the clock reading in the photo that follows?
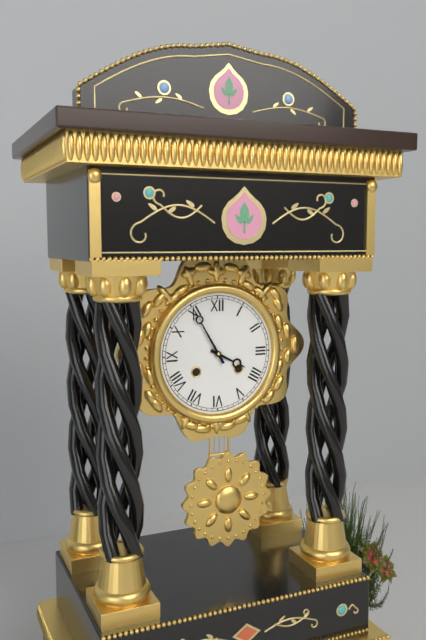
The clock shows 3:55
